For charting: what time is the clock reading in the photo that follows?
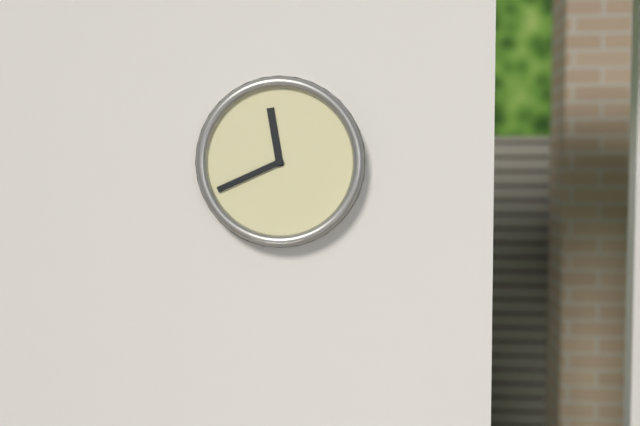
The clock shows 11:41
